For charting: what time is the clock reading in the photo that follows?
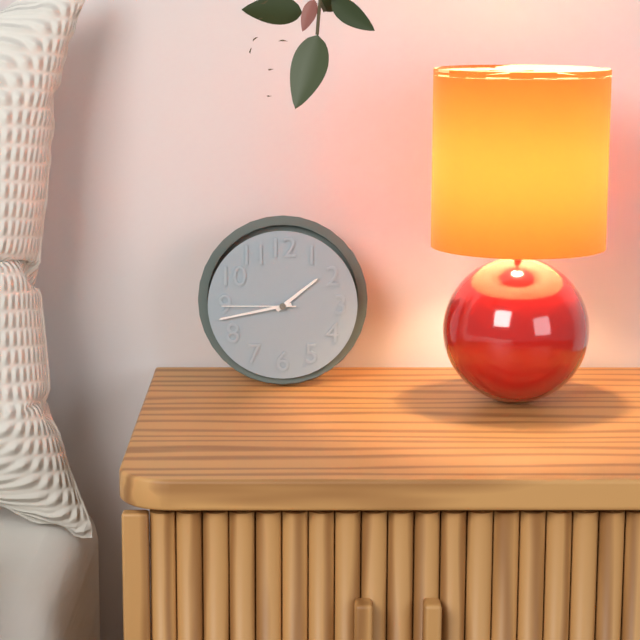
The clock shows 1:43:45
